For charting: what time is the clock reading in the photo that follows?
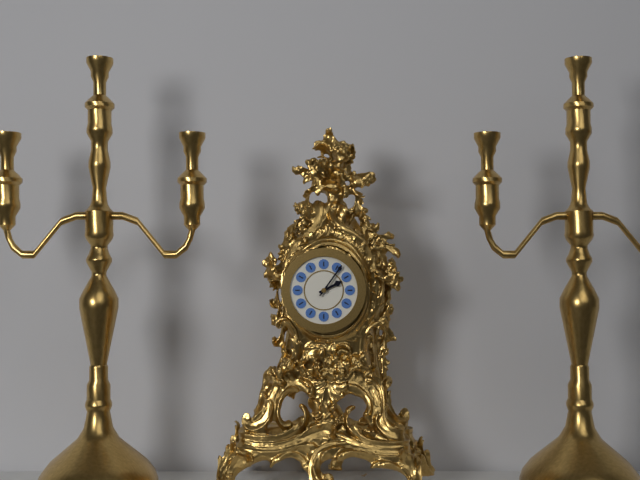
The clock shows 2:06
